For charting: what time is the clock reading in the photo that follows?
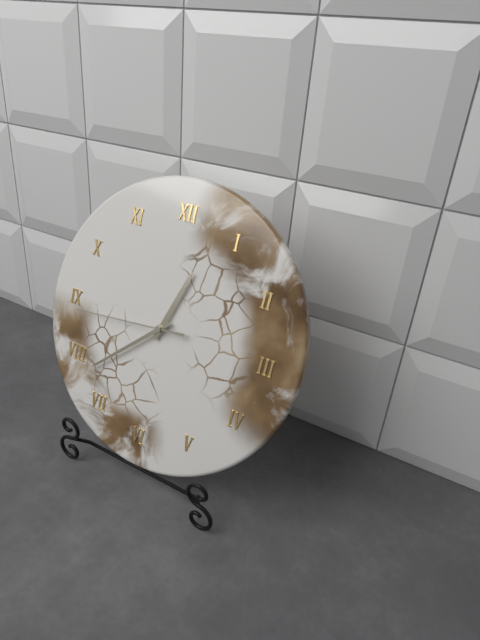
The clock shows 12:38:44
